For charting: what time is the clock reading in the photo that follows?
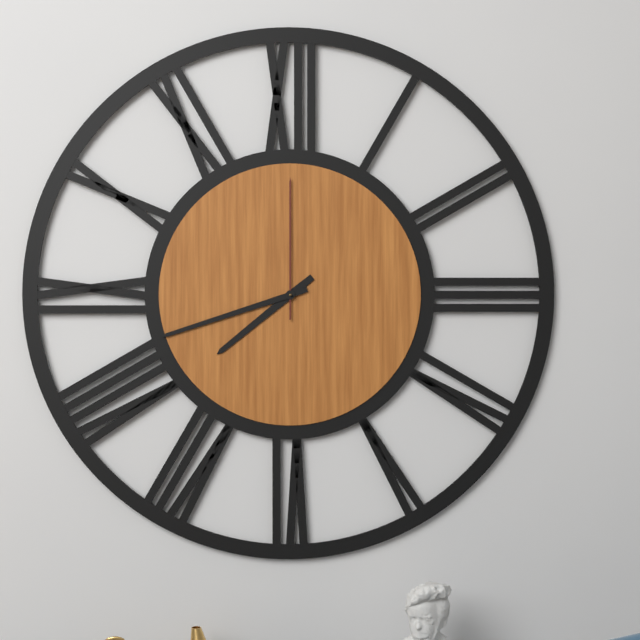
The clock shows 7:42:00
